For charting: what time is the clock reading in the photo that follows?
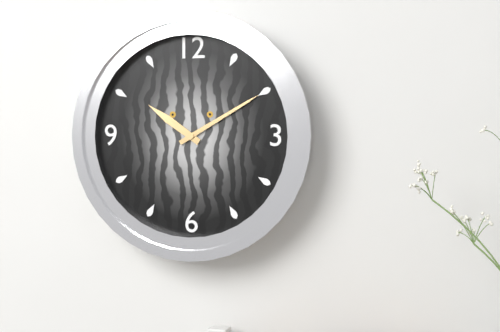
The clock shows 10:10
